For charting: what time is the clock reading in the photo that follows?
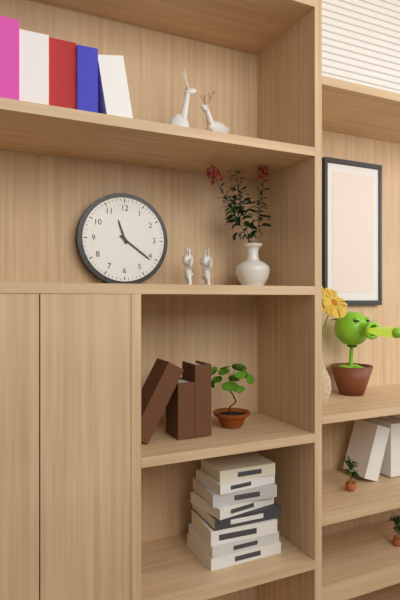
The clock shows 11:21
